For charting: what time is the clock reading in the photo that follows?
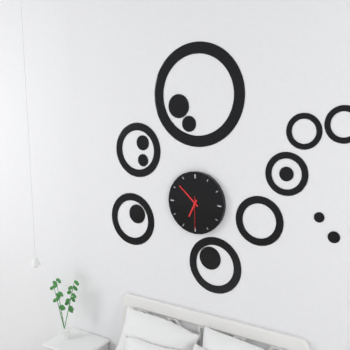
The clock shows 6:52
